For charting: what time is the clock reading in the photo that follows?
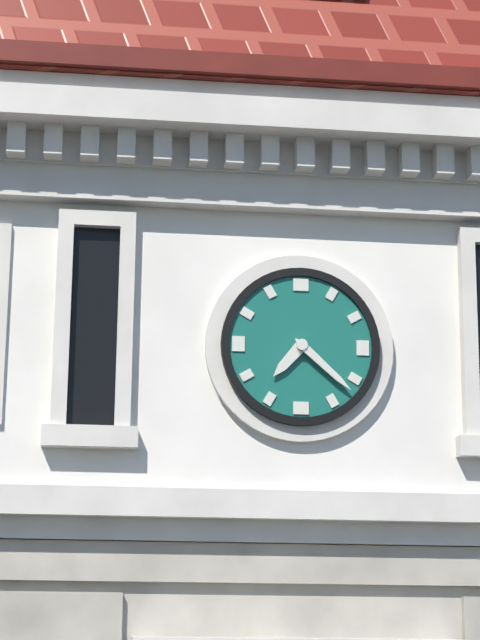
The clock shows 7:22
